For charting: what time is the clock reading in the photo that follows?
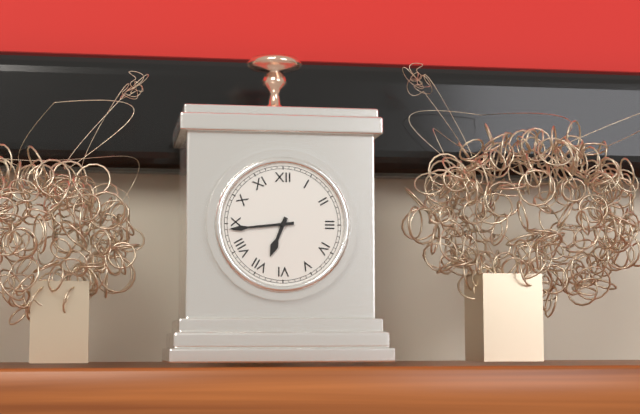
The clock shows 6:44
